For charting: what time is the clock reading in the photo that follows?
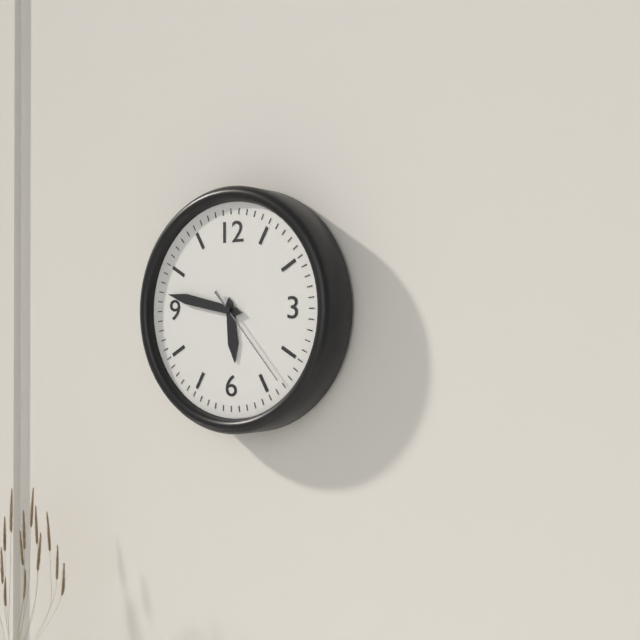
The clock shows 5:47:23
